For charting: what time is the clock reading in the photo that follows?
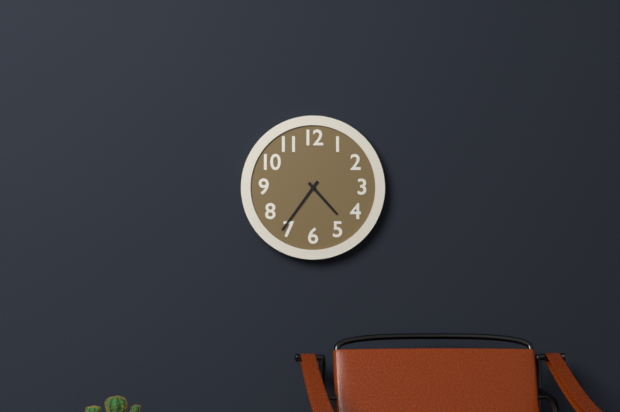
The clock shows 4:36
